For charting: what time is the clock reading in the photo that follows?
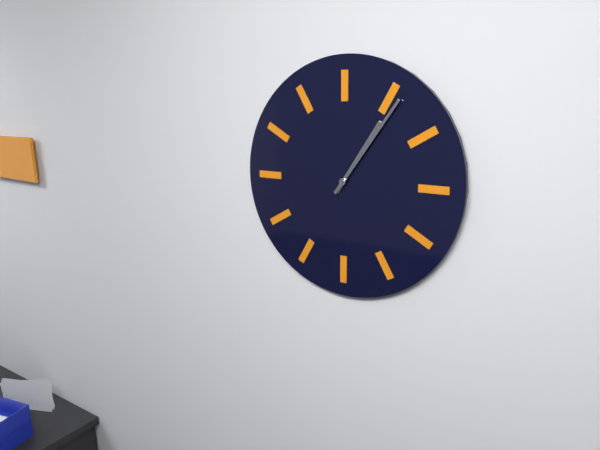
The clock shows 1:06
